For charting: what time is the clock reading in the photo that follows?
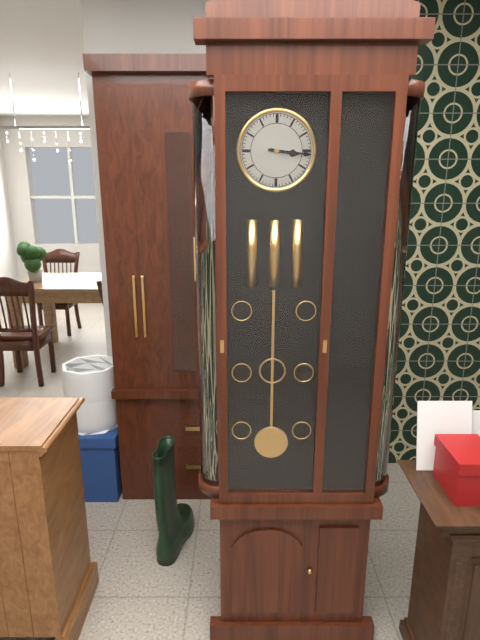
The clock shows 3:16
